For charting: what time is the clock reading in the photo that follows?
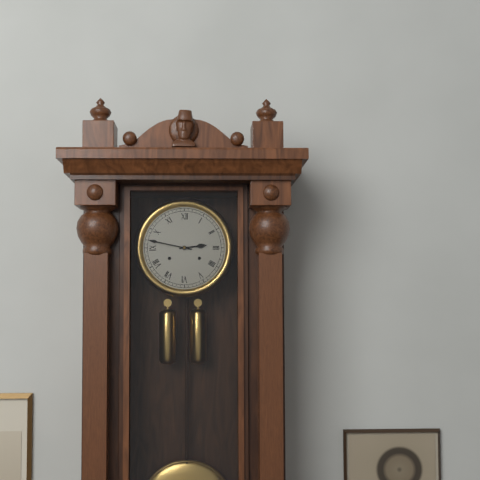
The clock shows 2:47
